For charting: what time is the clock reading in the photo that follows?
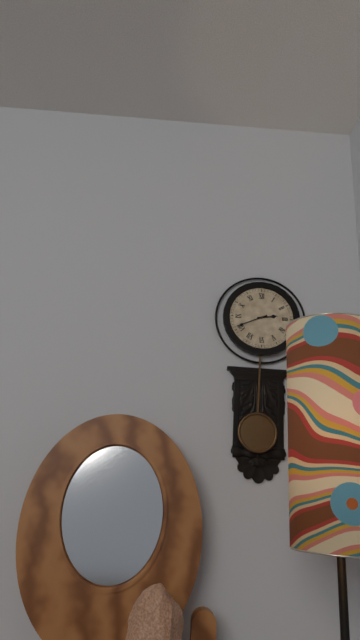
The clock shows 2:41
